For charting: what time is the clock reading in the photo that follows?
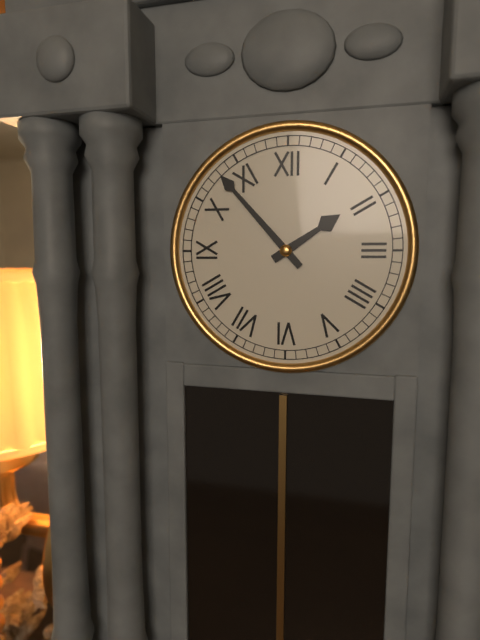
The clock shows 1:53
